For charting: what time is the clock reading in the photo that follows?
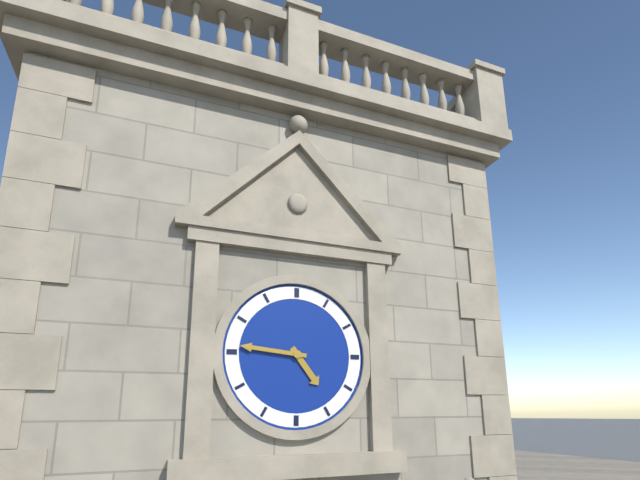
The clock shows 4:46
